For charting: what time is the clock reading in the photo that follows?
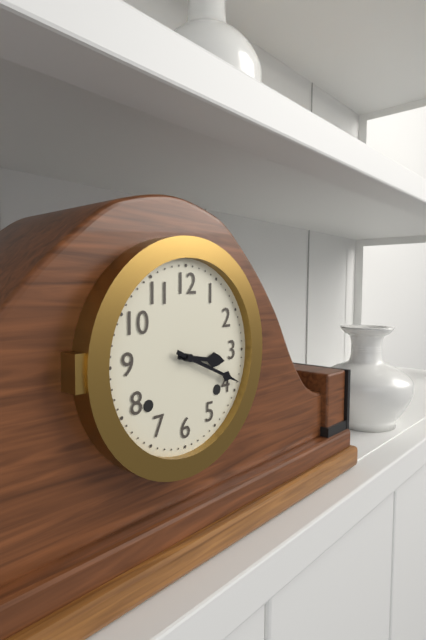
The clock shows 3:19
